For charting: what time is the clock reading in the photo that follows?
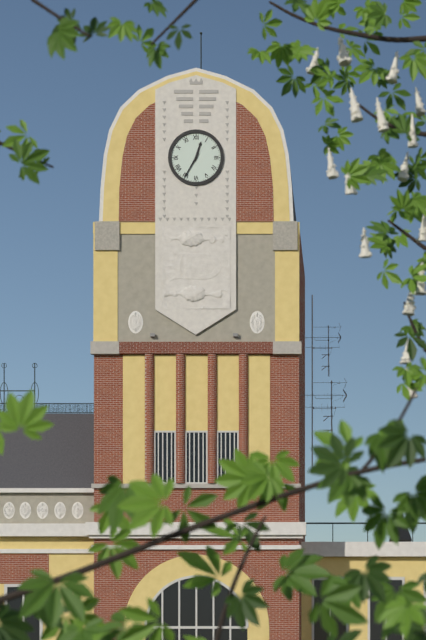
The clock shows 12:35
